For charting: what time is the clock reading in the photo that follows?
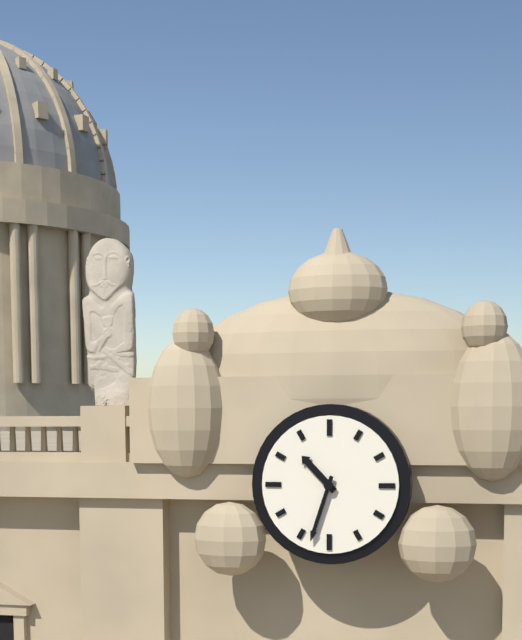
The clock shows 10:33
